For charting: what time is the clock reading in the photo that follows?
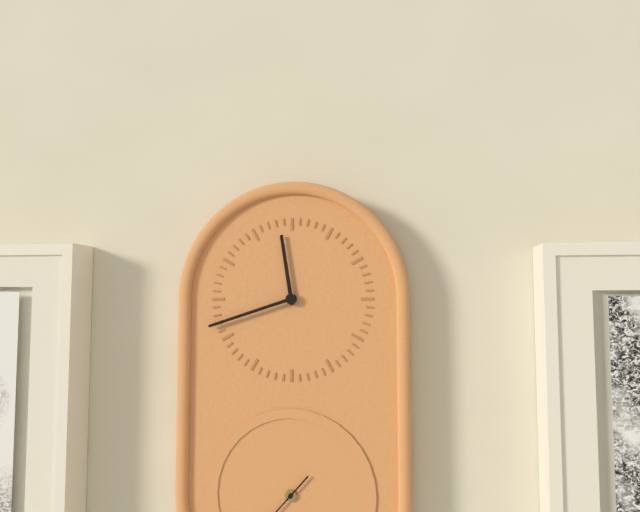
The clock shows 11:42
